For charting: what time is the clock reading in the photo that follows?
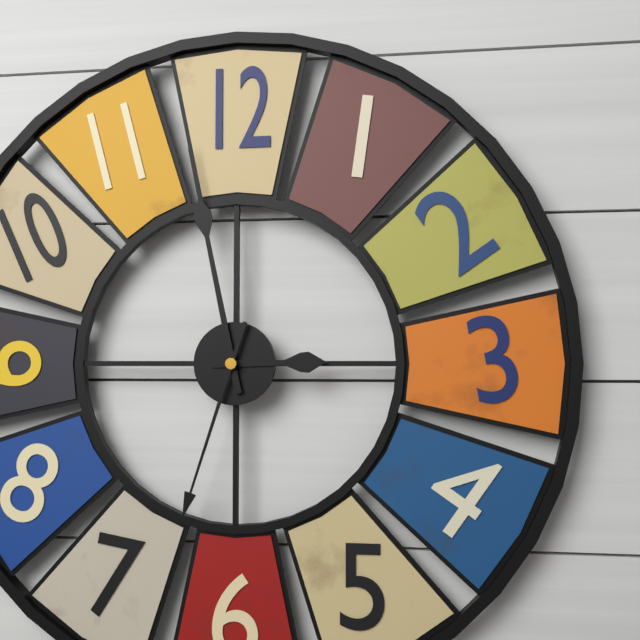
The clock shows 2:58:33
